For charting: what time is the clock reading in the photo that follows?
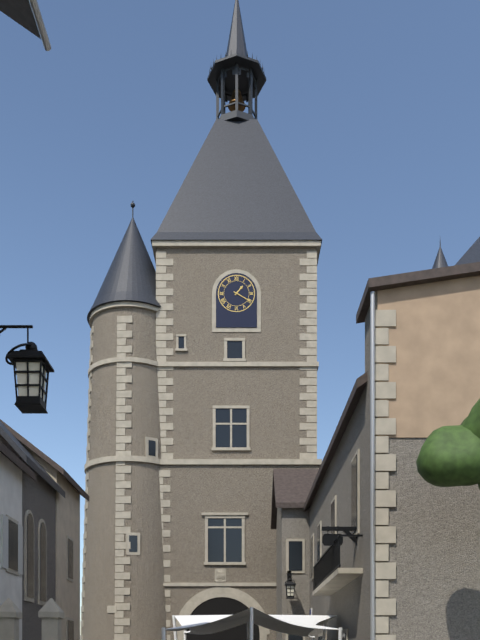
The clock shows 1:20
